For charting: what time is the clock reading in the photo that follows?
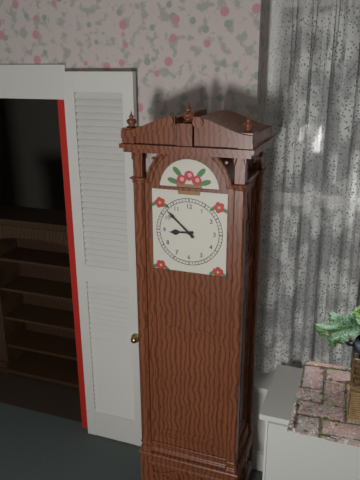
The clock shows 8:52
